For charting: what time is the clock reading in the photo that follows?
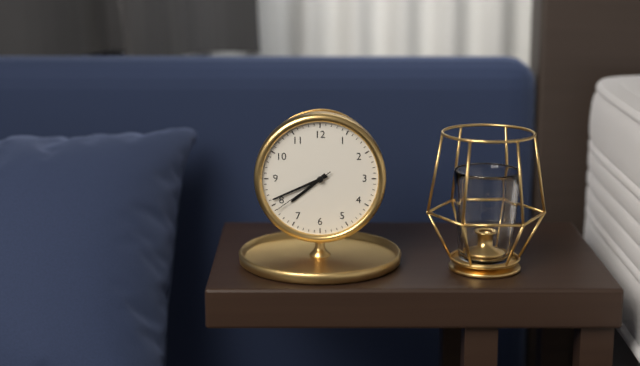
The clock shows 7:41:39
